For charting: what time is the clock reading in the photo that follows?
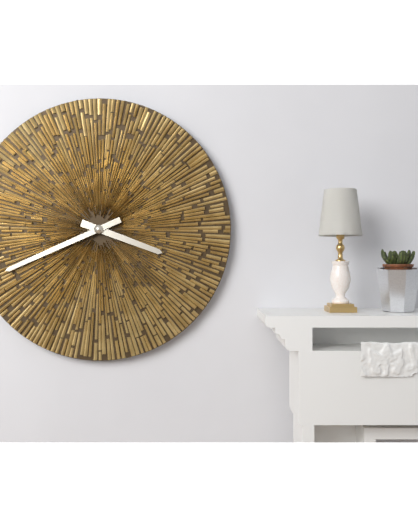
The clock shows 3:41
